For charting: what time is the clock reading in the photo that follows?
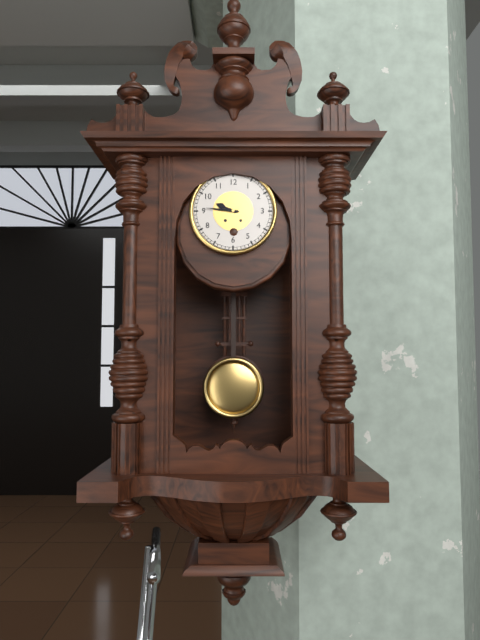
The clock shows 9:46
